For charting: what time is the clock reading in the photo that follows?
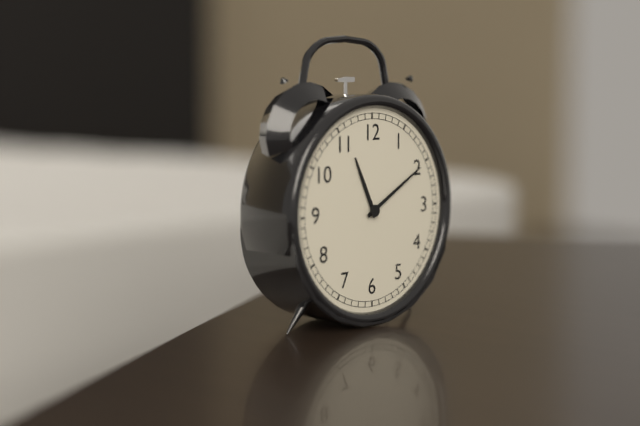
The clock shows 11:10
